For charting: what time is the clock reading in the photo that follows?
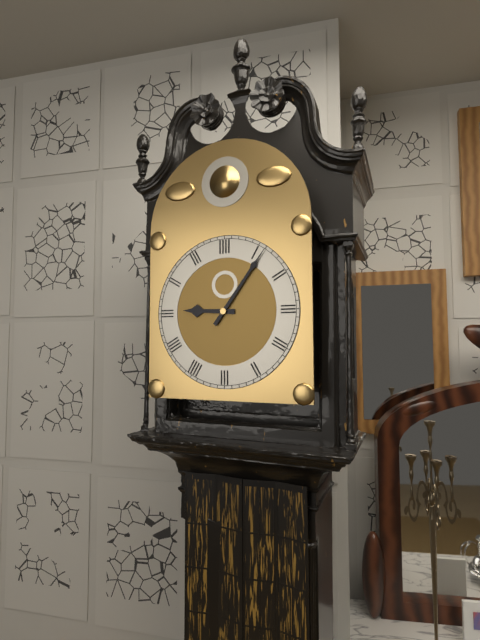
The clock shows 9:06
